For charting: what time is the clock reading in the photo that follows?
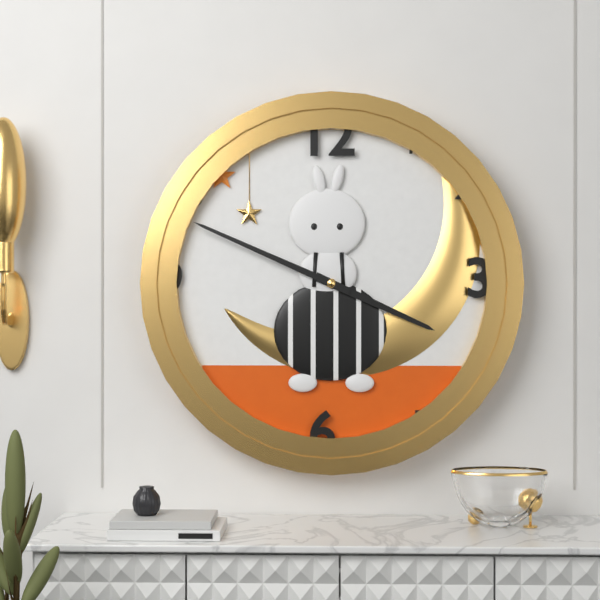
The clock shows 3:49
